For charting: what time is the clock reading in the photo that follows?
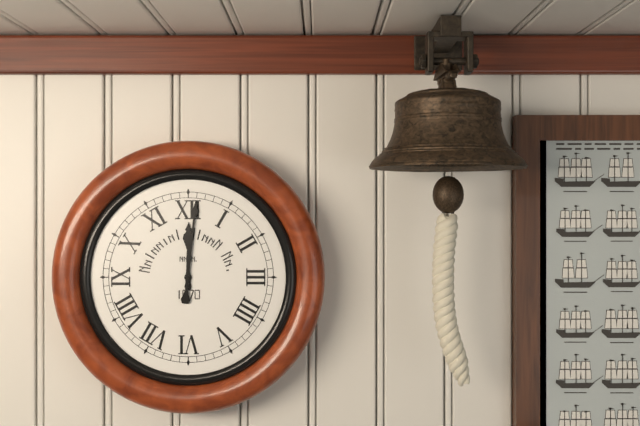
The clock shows 12:01
